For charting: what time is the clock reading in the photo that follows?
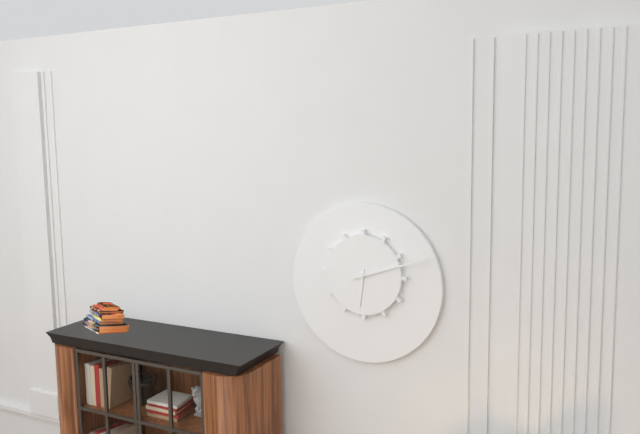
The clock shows 6:12
